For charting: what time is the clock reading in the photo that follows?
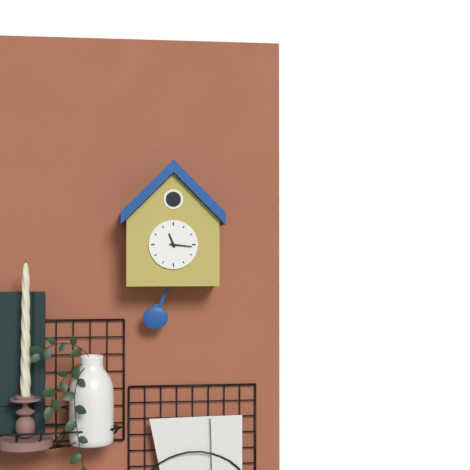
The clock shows 11:16
